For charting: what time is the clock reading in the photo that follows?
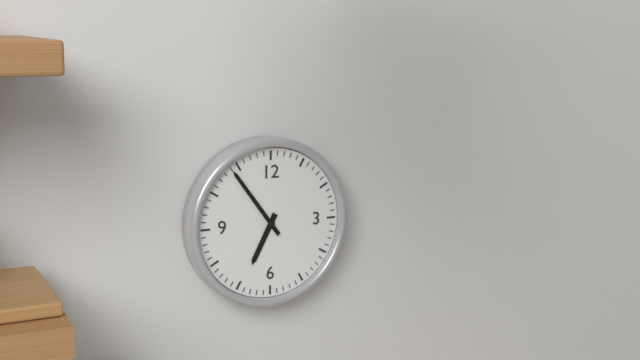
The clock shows 6:54
